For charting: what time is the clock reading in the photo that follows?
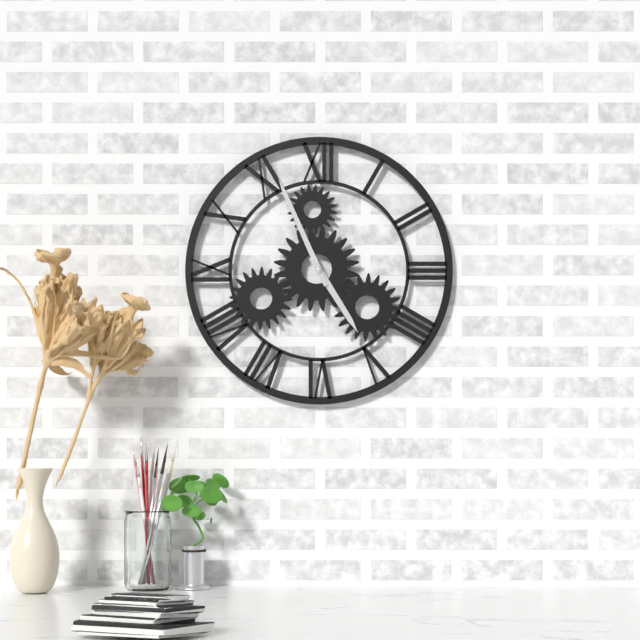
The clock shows 4:56
